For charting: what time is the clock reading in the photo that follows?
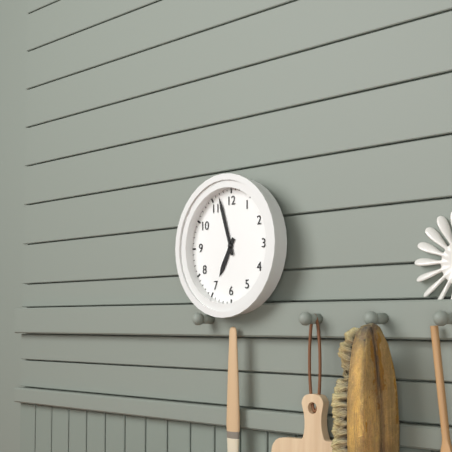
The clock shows 6:57
